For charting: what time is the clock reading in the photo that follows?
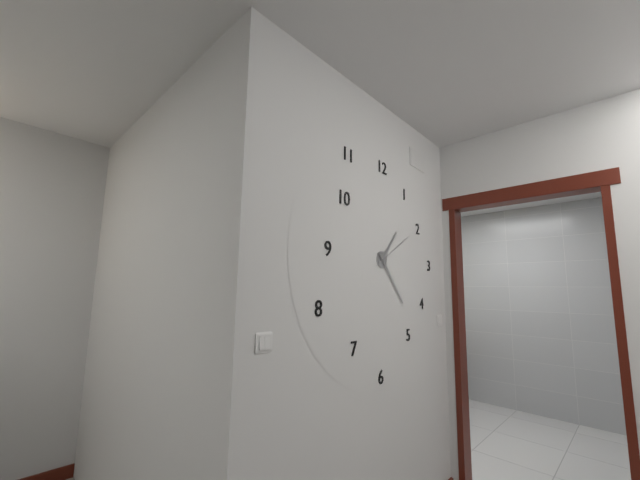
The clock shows 1:23
